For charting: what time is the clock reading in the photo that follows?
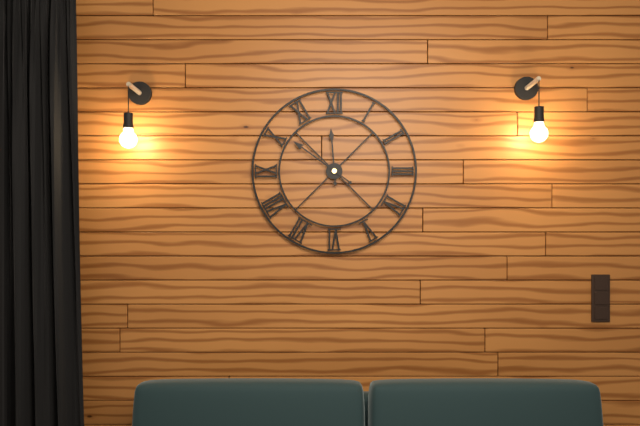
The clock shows 11:51
